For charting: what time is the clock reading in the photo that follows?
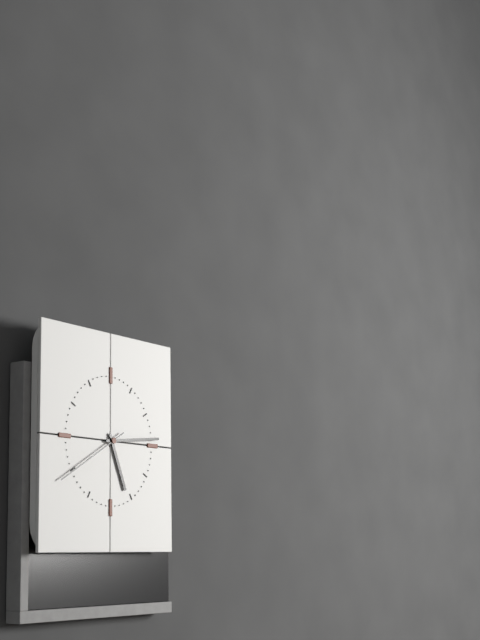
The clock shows 5:14:40
